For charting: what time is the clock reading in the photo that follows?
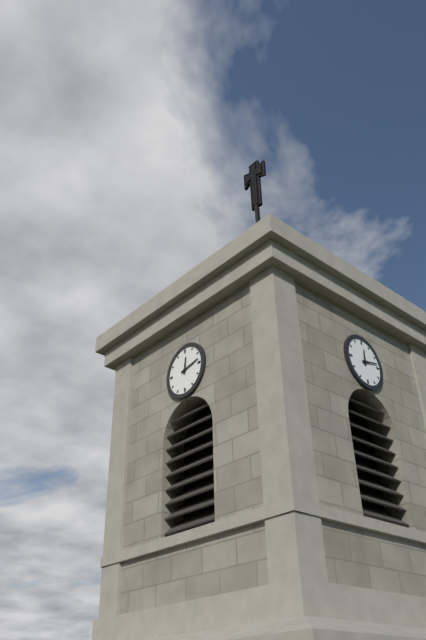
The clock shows 12:13
